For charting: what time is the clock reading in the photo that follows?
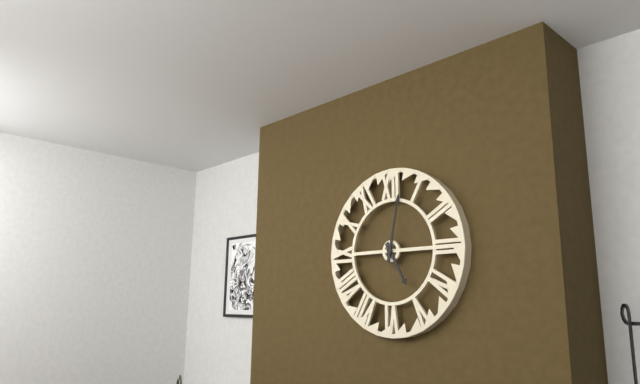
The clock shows 5:02
